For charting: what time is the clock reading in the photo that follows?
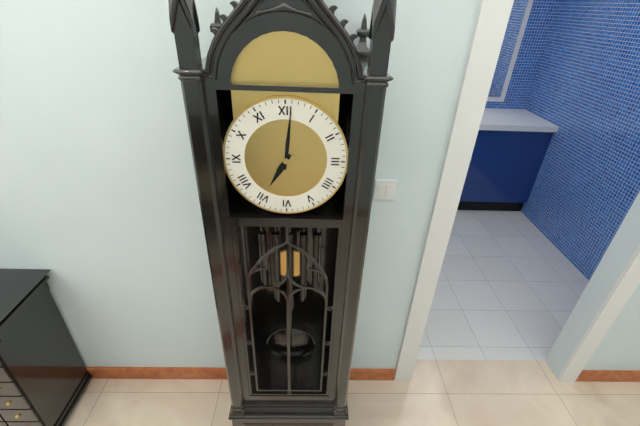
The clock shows 7:01
